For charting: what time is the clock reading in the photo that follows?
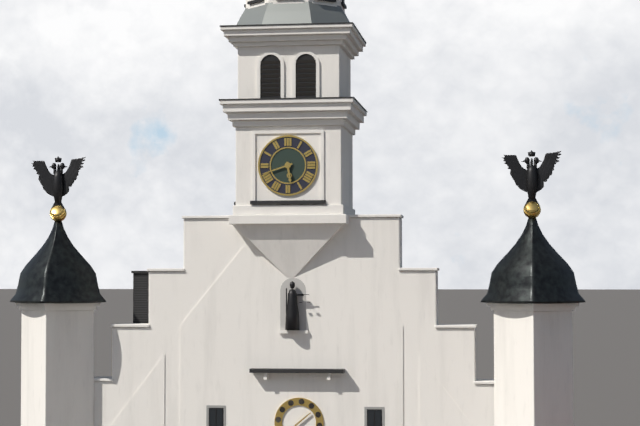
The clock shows 5:42
